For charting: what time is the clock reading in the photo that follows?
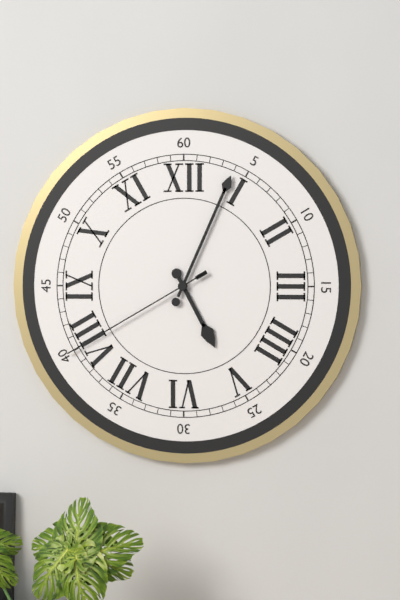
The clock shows 5:04:40
